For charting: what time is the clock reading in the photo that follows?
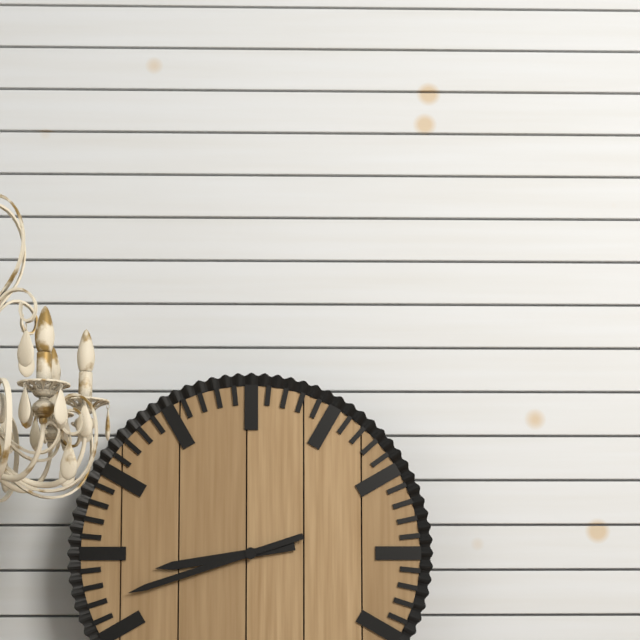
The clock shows 8:42
